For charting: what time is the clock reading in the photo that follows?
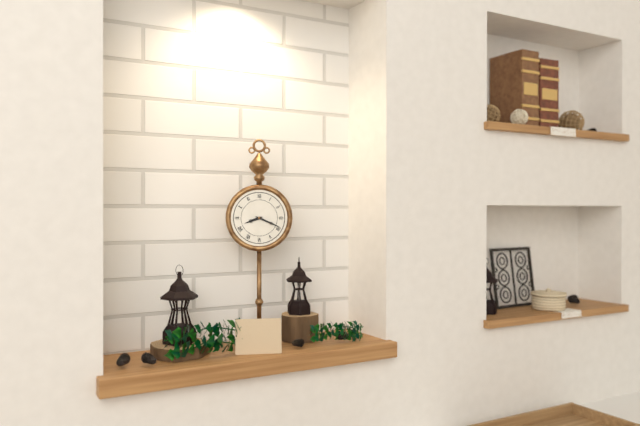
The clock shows 8:19
